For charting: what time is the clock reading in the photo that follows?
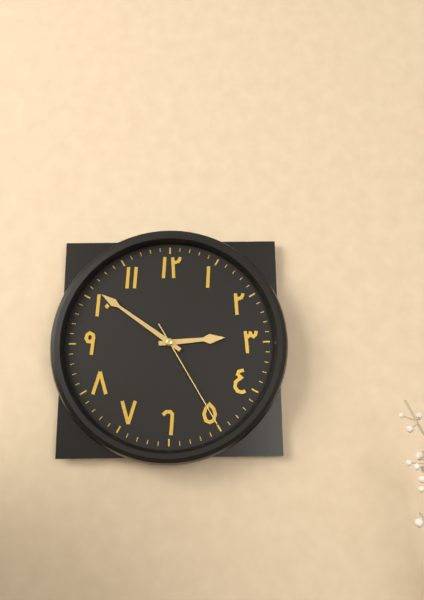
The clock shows 2:51:25
